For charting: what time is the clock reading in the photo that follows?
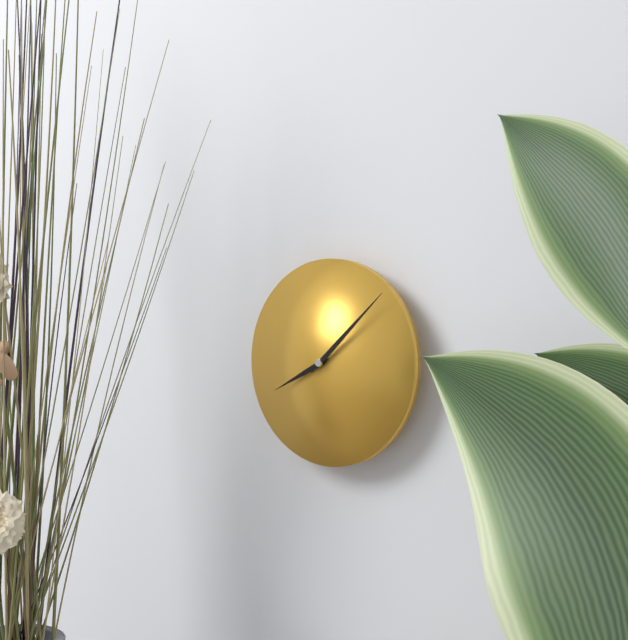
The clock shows 8:08
